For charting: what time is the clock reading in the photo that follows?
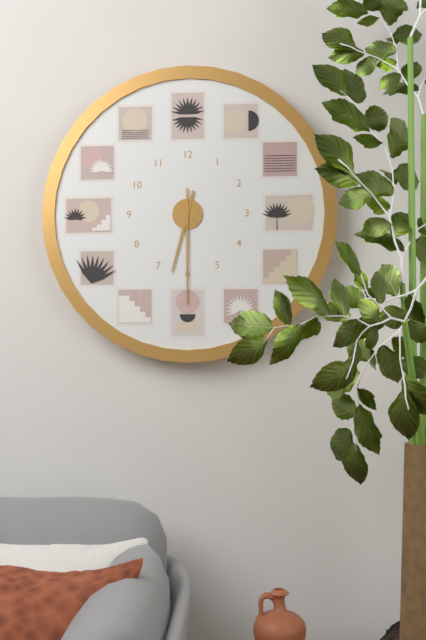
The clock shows 6:30
